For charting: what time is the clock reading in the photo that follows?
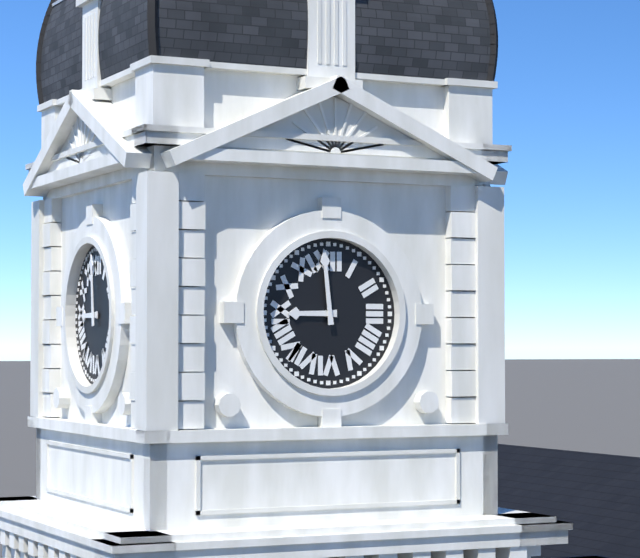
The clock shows 8:59
